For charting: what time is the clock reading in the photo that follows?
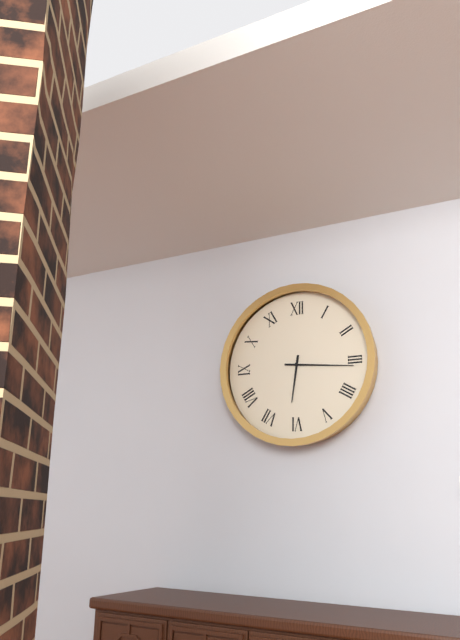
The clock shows 6:16
